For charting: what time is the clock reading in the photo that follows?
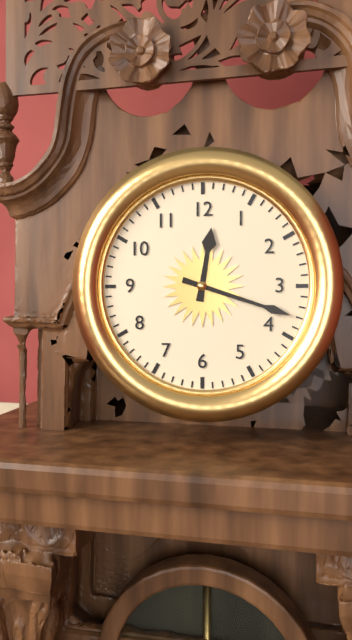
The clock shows 12:18
